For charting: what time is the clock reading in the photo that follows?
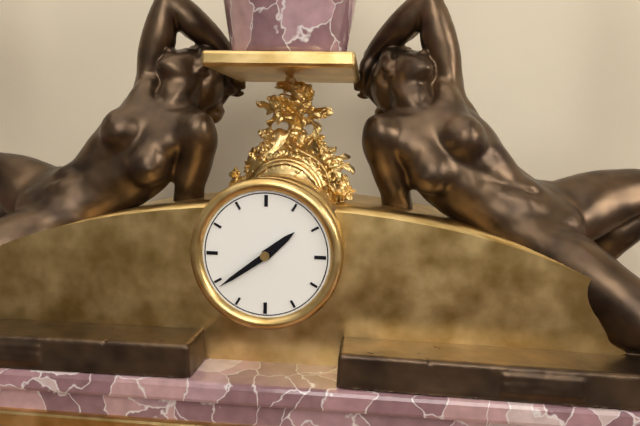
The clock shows 1:39
